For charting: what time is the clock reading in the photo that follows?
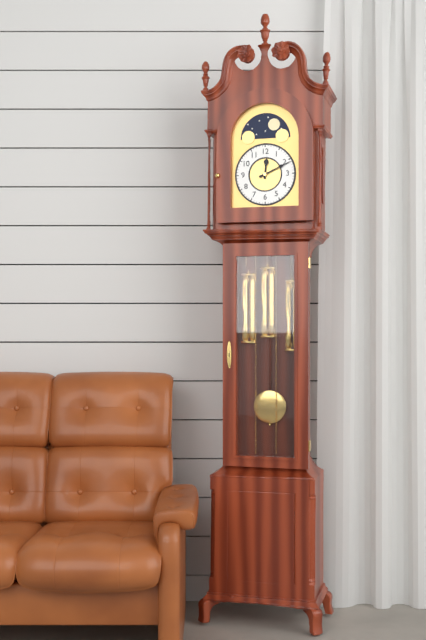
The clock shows 12:11
